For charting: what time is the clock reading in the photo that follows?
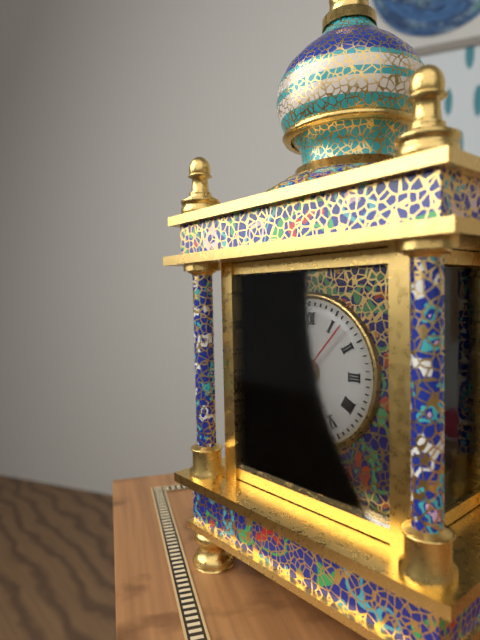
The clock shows 8:50:07
